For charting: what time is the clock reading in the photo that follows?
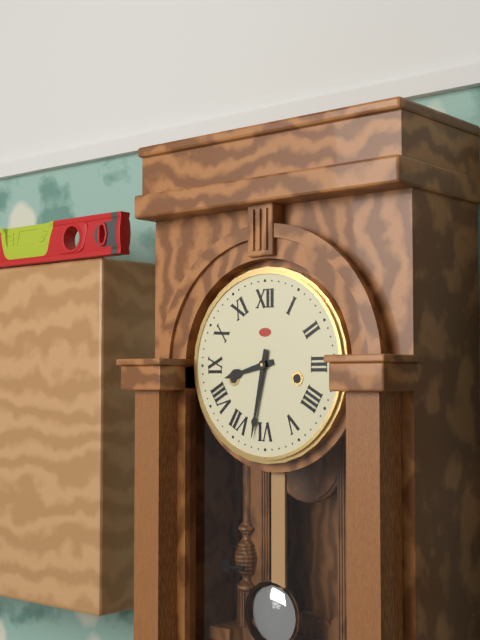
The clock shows 8:32
